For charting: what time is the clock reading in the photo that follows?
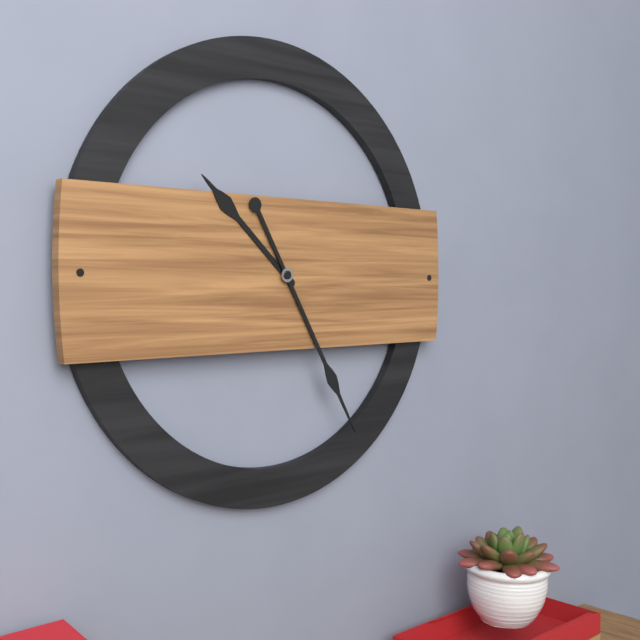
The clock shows 10:25
